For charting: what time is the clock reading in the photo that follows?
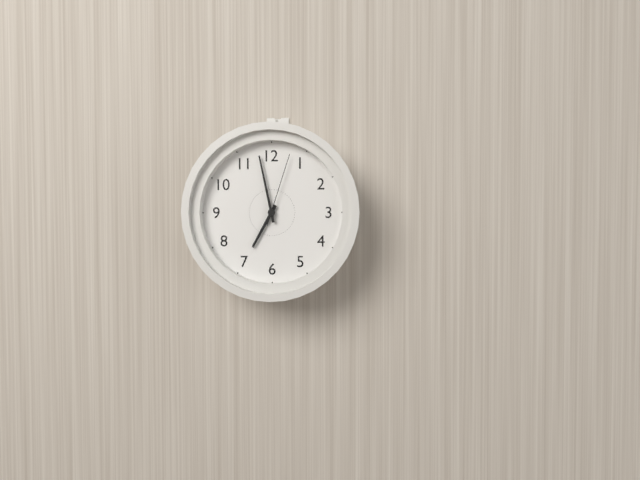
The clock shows 6:58:03
